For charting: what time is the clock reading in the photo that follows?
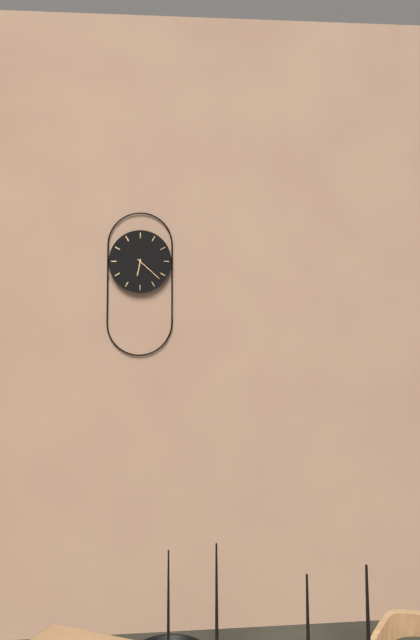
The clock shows 6:22
